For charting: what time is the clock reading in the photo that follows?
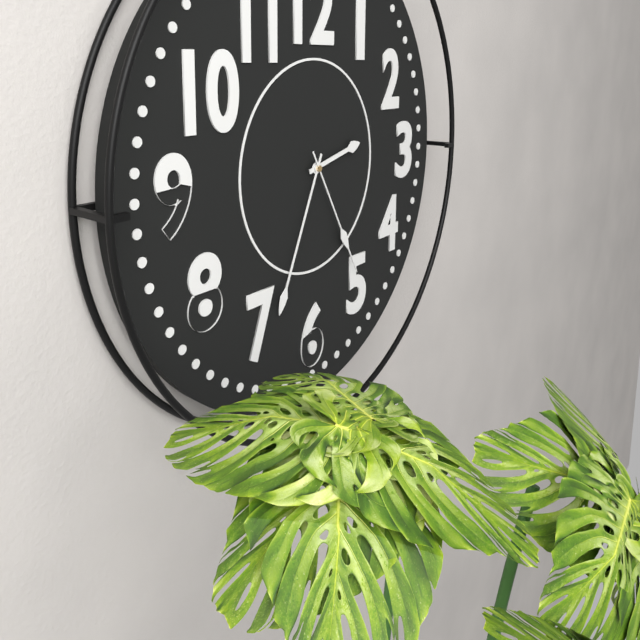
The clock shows 2:34:25
